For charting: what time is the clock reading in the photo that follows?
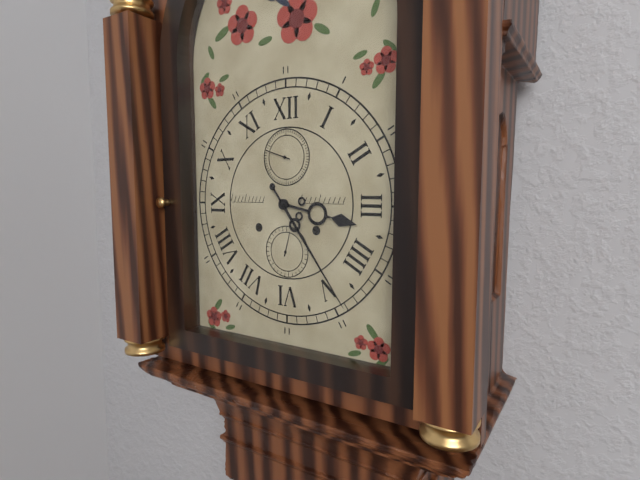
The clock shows 3:24
